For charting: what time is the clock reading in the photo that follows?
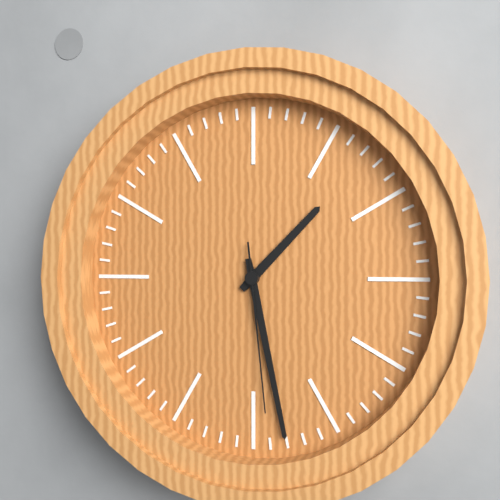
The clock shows 1:28:29
